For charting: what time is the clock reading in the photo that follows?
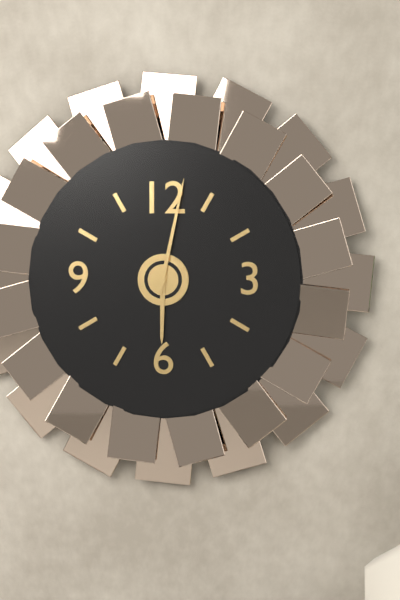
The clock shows 6:02
